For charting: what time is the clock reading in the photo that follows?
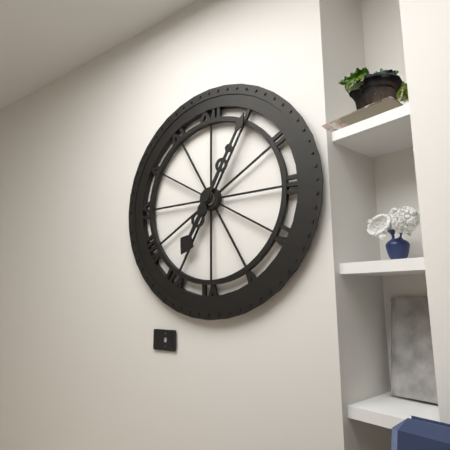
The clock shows 7:05
